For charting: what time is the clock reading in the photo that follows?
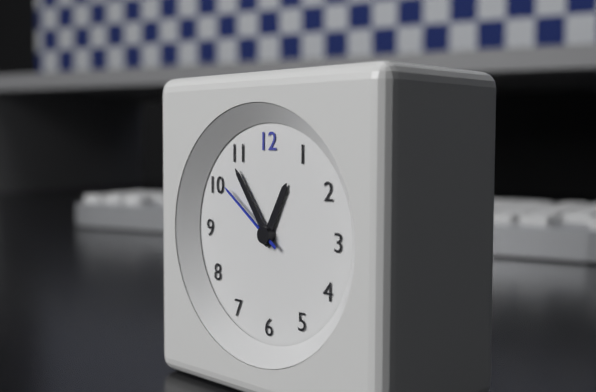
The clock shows 12:54:51
